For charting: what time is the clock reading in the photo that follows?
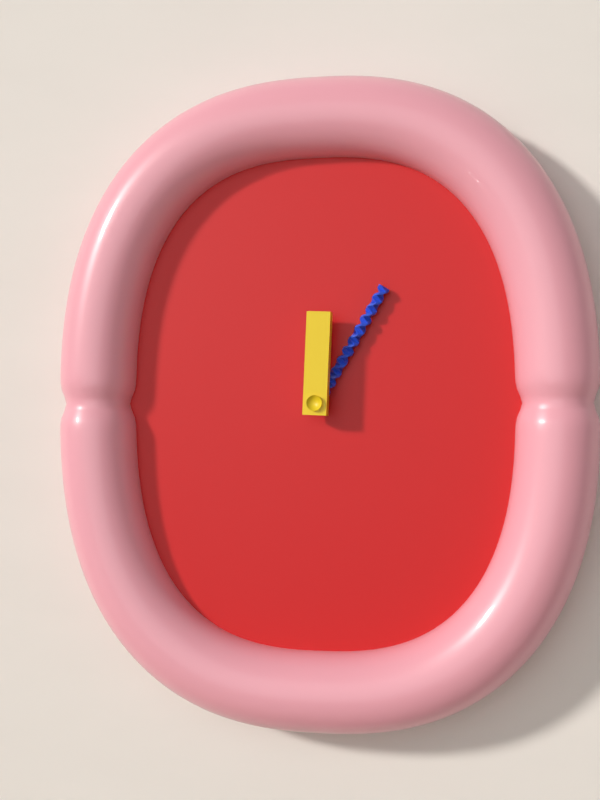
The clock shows 12:05
